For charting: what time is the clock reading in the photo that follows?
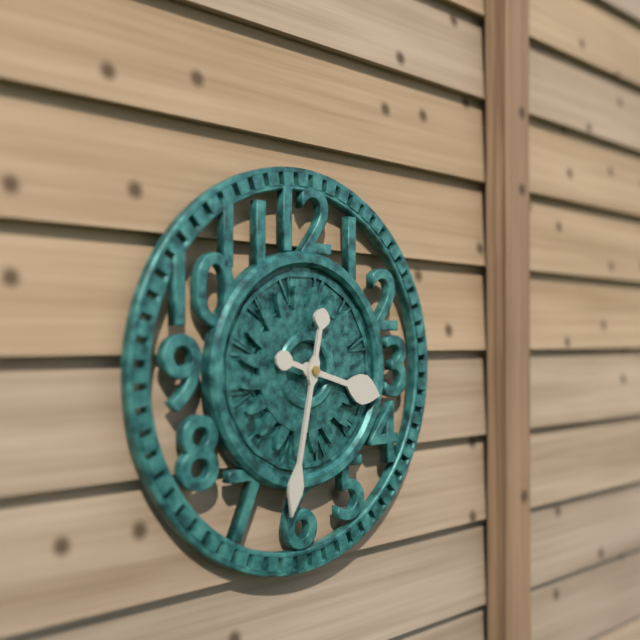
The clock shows 3:32
